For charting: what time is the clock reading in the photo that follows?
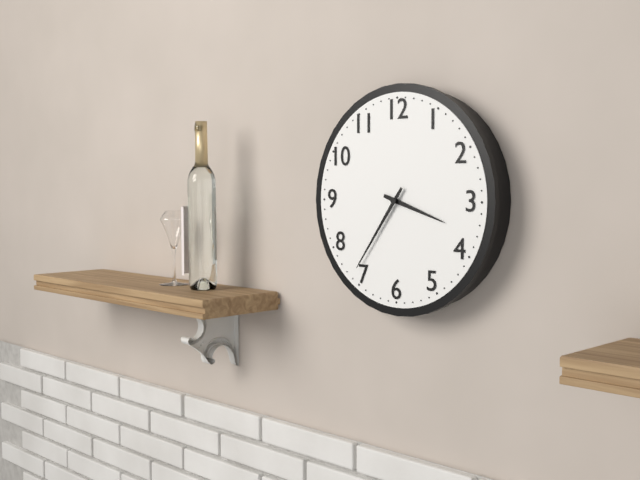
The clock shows 3:36
